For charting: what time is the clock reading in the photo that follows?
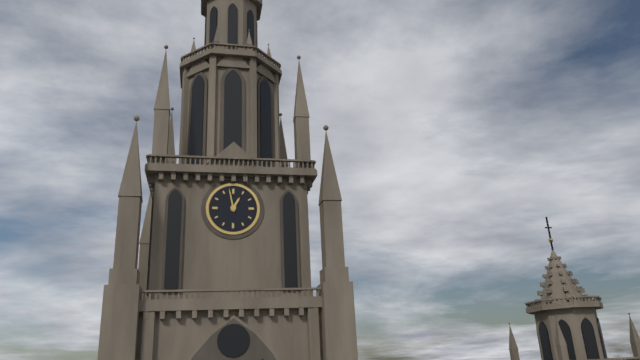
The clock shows 12:58
